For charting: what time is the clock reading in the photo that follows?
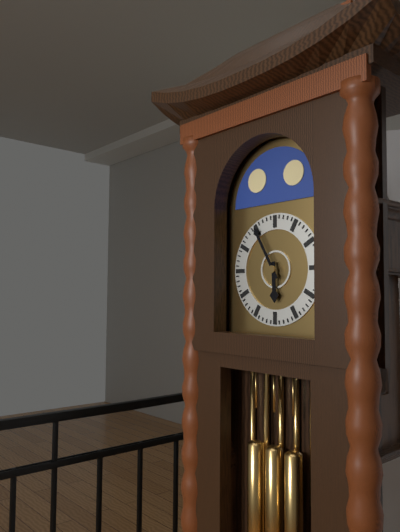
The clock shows 5:55
